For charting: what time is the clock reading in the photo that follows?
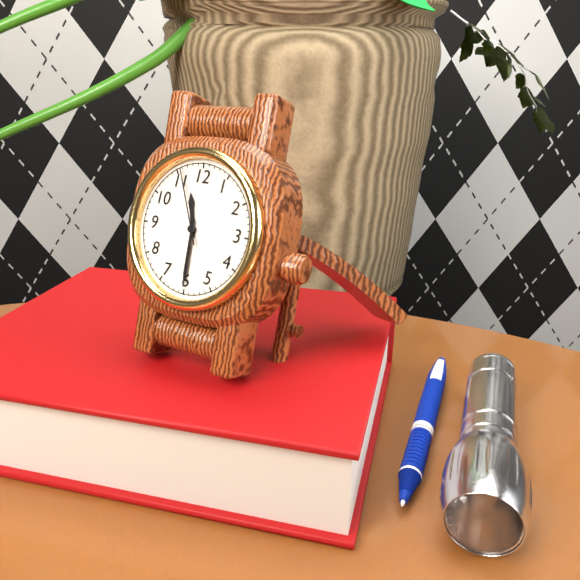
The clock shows 11:30:56
